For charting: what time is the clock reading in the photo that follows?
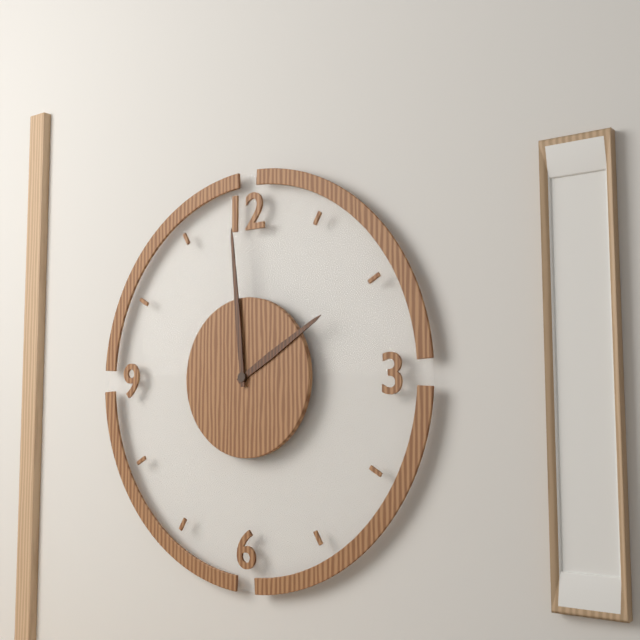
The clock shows 1:59
